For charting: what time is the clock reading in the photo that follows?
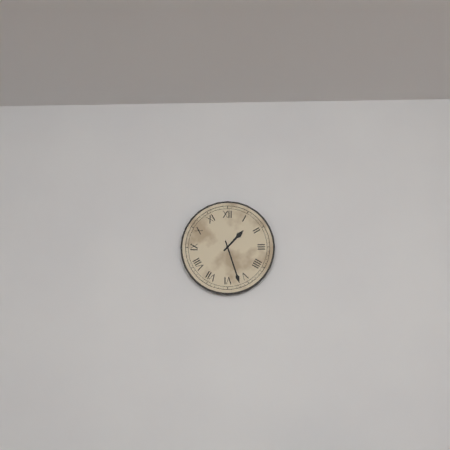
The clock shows 1:27
